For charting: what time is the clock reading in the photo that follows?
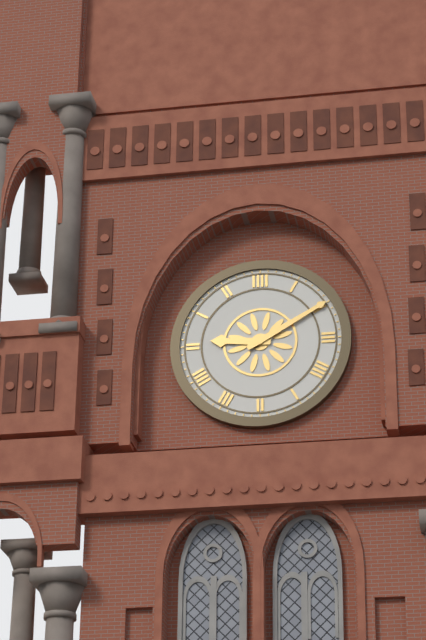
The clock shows 9:10
